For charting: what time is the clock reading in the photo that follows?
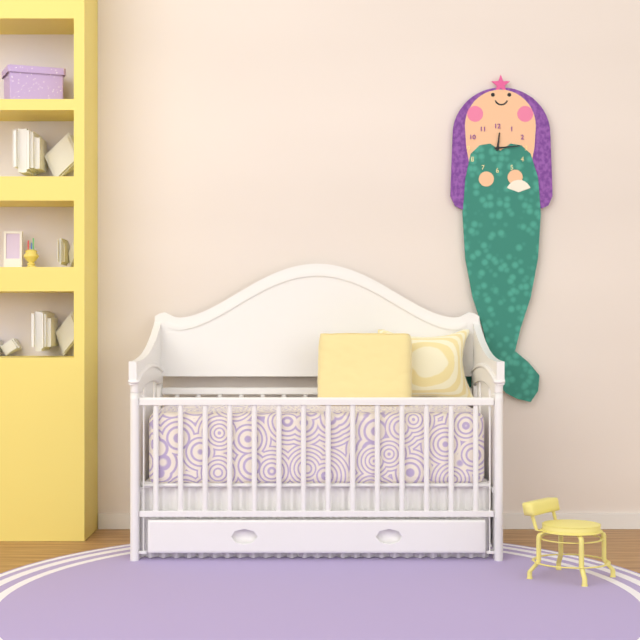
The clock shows 12:14
